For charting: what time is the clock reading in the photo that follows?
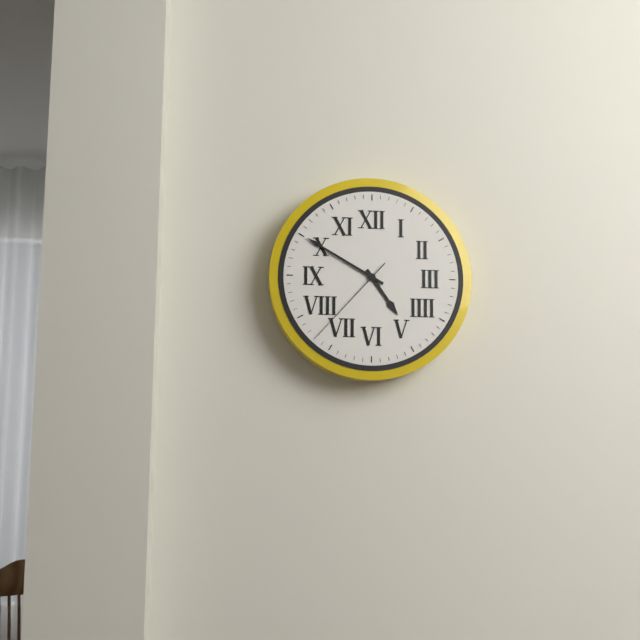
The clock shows 4:50:37
